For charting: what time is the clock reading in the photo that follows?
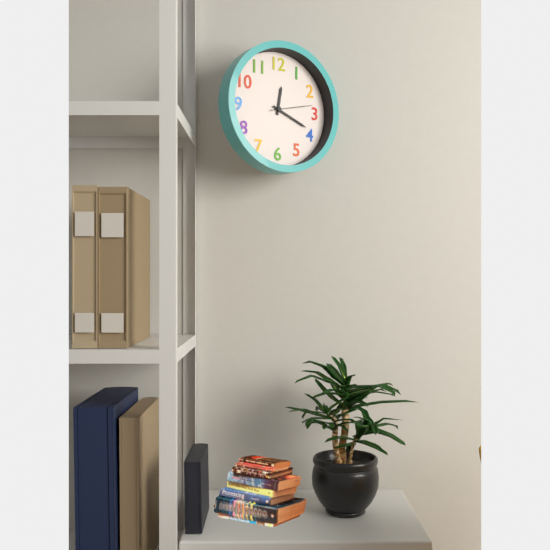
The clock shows 12:19
